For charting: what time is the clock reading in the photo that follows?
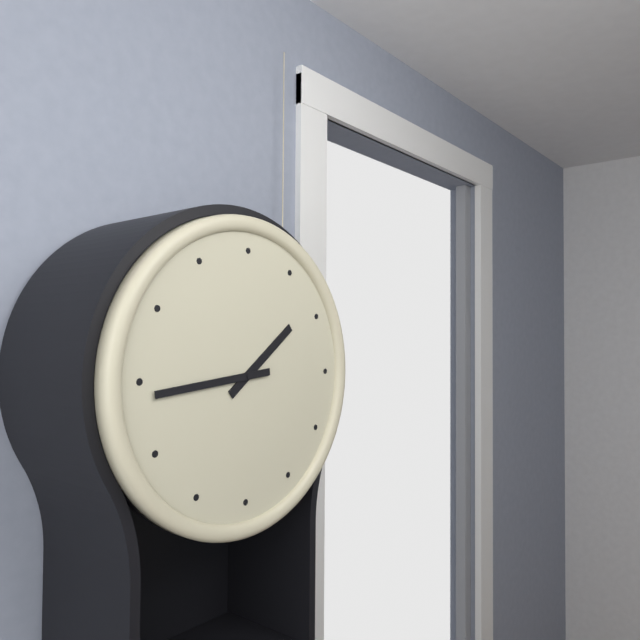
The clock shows 1:44
